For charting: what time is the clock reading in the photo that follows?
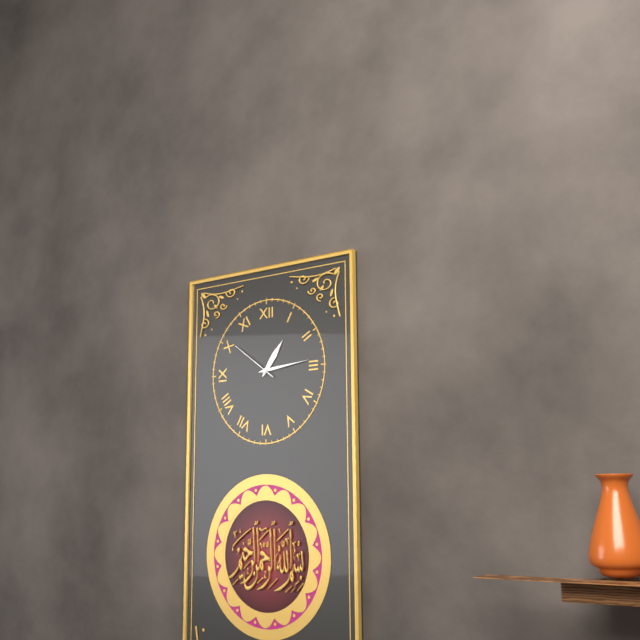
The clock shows 1:14
